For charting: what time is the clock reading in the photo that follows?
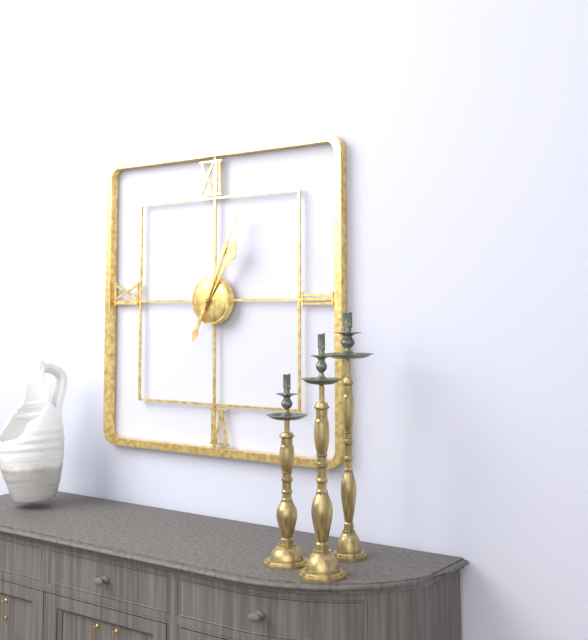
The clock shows 1:04
